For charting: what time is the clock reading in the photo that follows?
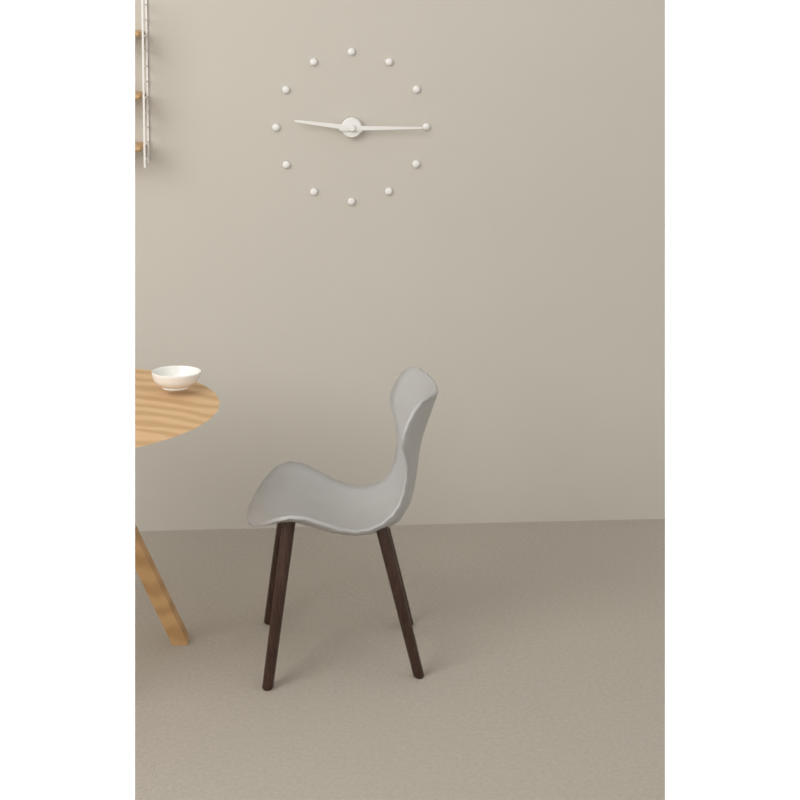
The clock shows 9:15
